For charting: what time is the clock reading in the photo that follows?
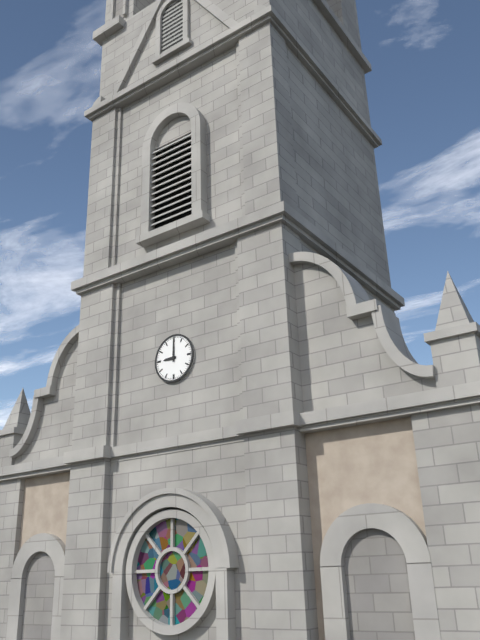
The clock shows 9:00
